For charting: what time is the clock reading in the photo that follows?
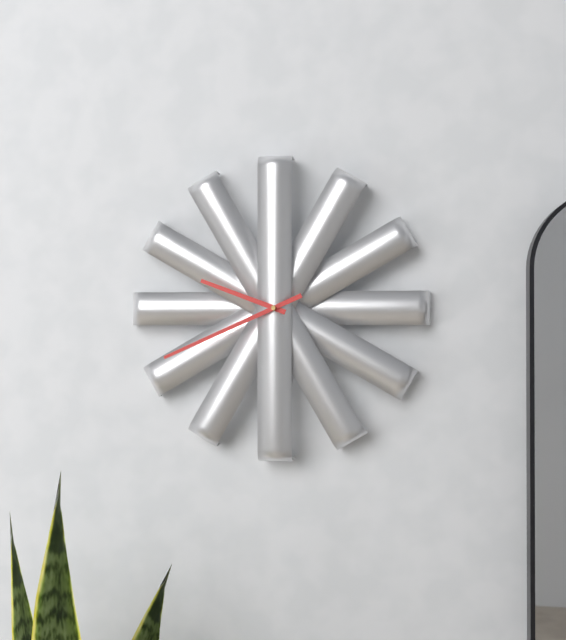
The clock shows 9:41
